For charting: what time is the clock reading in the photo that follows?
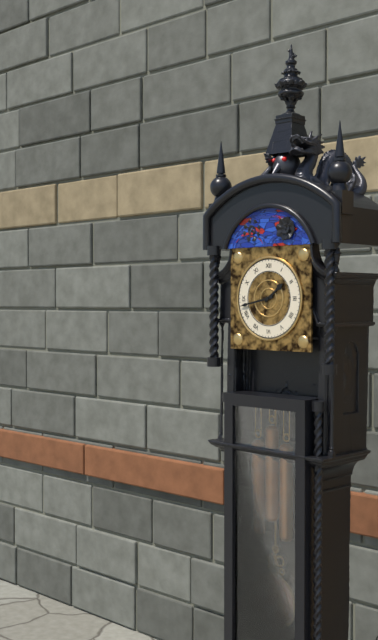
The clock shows 1:43
